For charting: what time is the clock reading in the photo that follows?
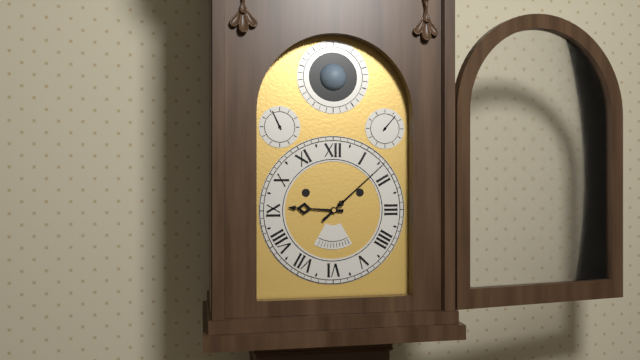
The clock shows 9:08
